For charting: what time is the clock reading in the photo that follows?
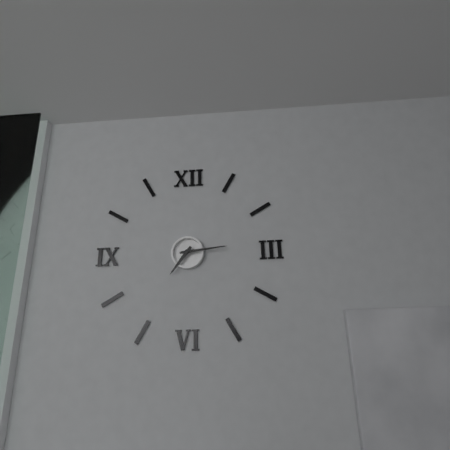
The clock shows 7:14
